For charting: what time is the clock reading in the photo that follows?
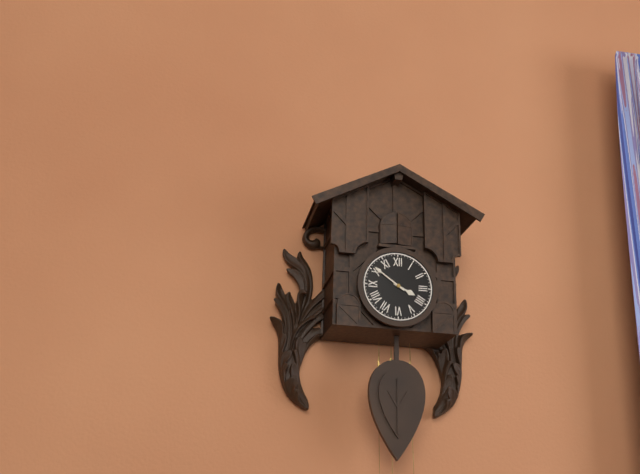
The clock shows 3:51
